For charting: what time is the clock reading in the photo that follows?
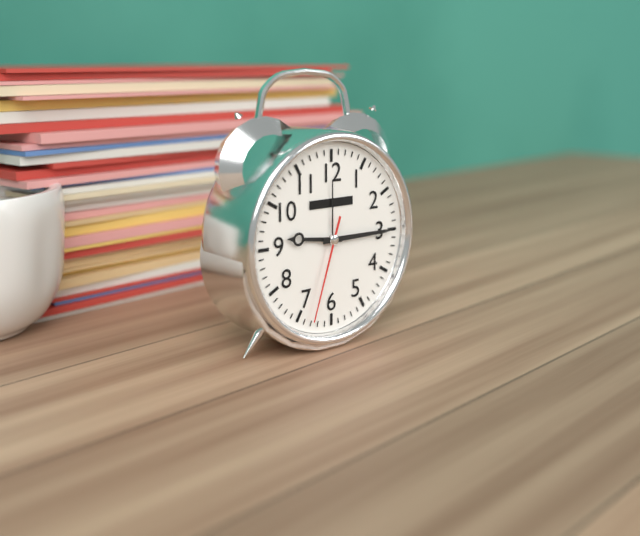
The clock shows 9:15:33
